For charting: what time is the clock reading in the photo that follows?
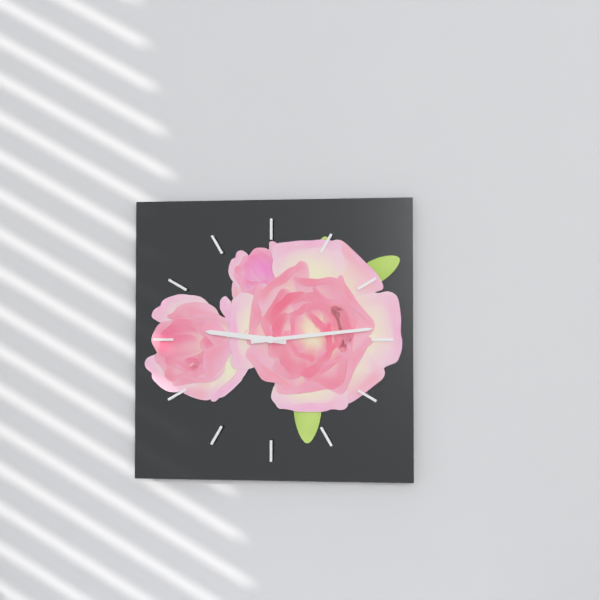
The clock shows 9:14
